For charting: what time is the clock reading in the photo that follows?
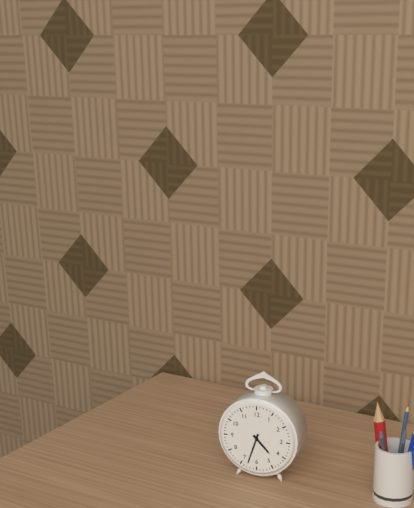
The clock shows 4:33
